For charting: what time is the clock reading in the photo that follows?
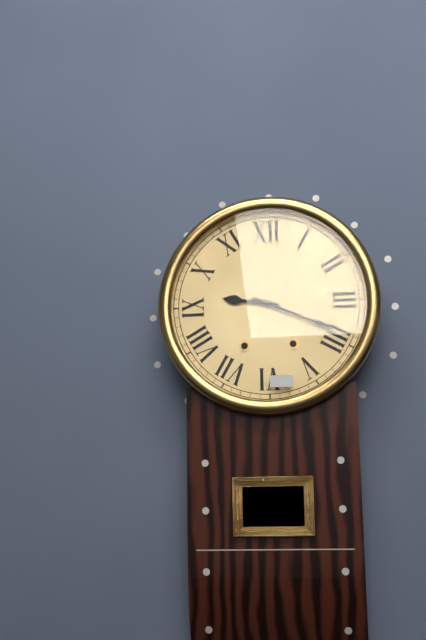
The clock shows 9:19
